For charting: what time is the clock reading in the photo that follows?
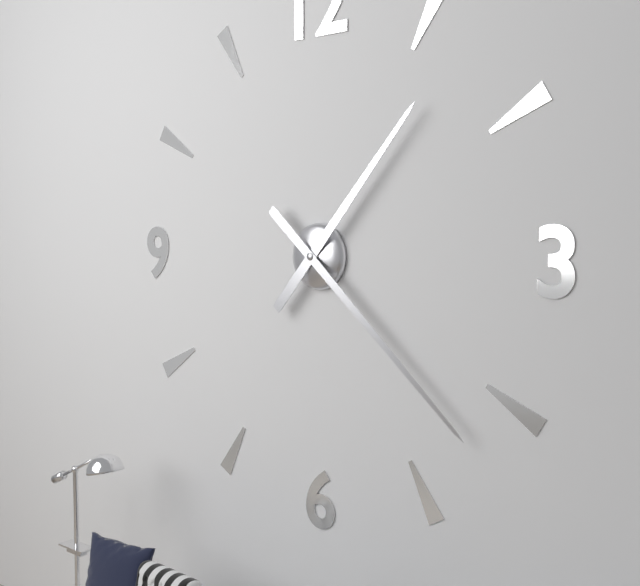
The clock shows 1:22
